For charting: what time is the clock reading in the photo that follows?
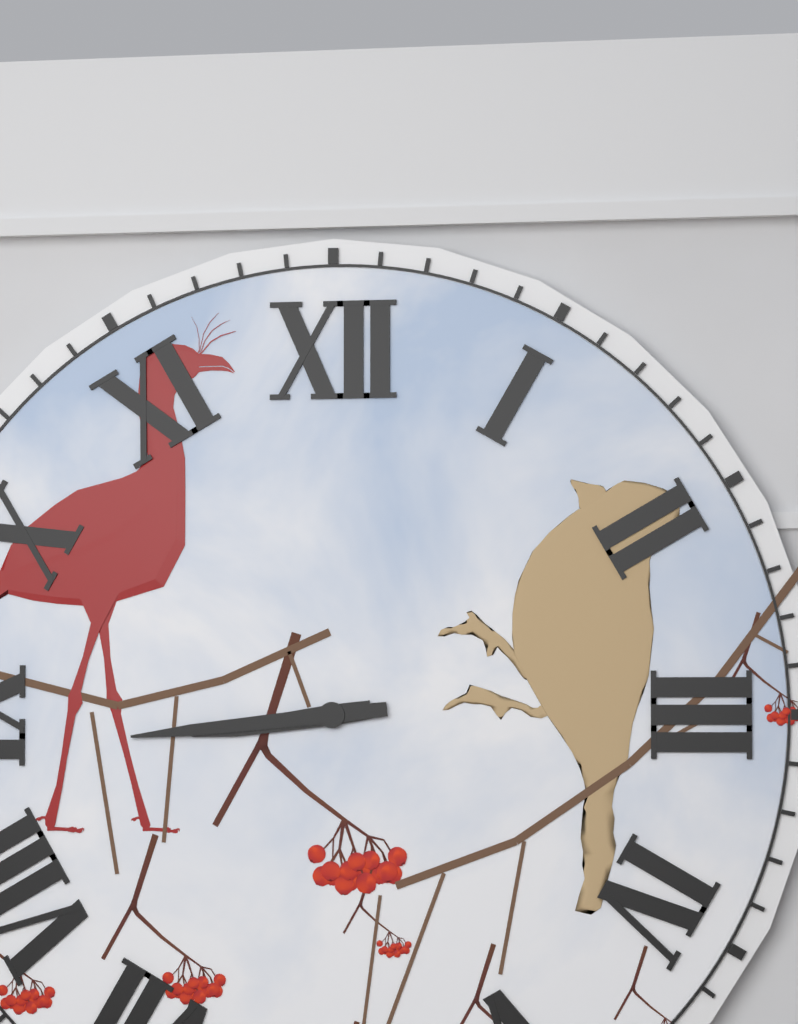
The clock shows 8:44
